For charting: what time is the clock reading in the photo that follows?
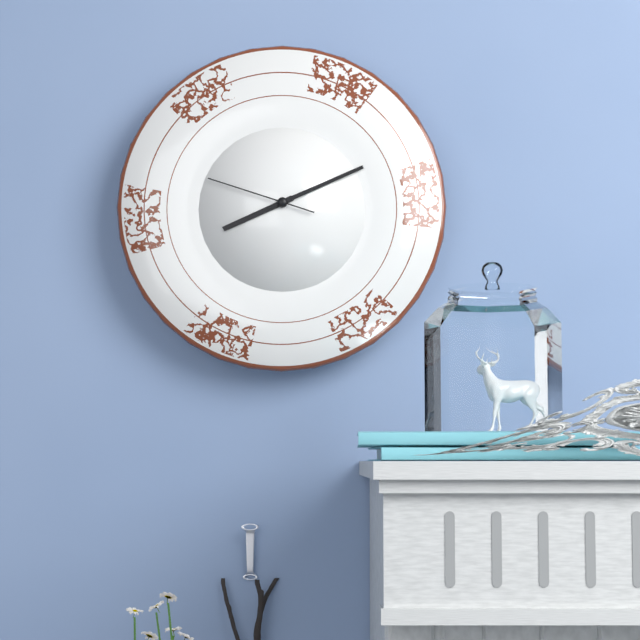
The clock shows 8:11:48
